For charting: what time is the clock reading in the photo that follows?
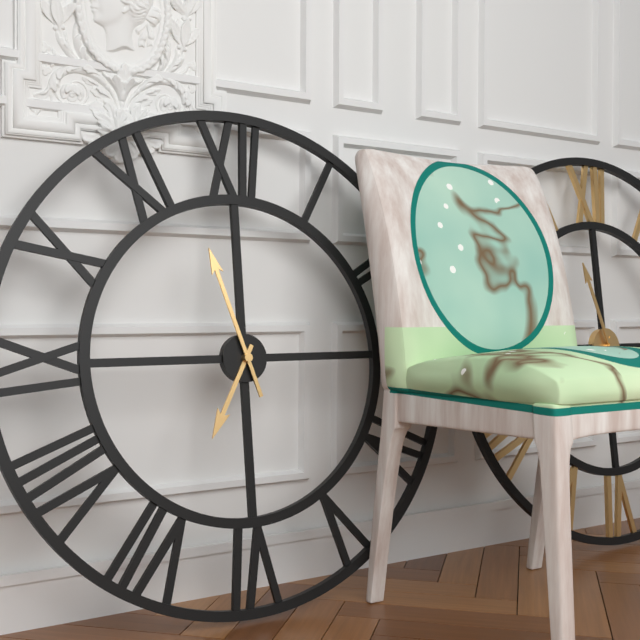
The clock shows 6:57
